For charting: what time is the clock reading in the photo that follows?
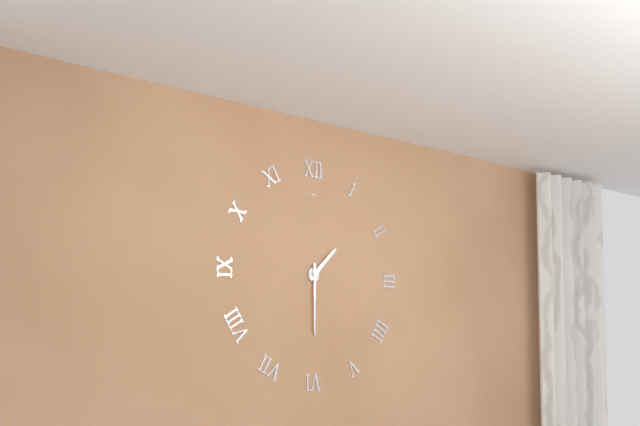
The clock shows 1:30
